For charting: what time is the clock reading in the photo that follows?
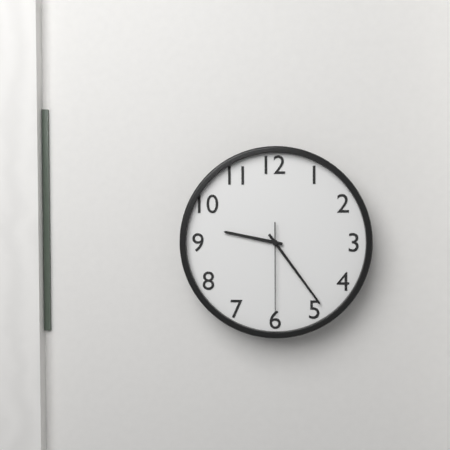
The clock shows 9:24:30
